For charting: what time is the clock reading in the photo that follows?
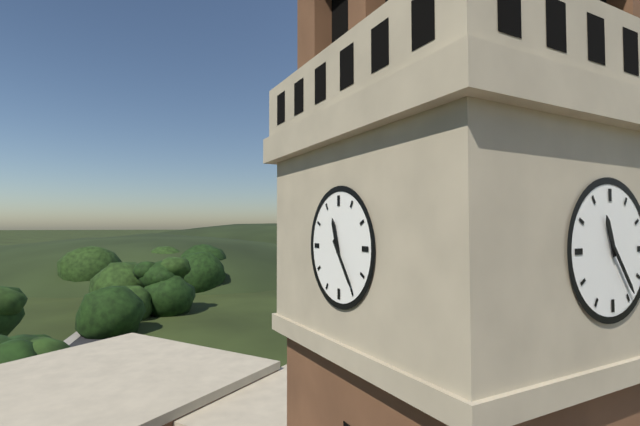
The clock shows 11:24
